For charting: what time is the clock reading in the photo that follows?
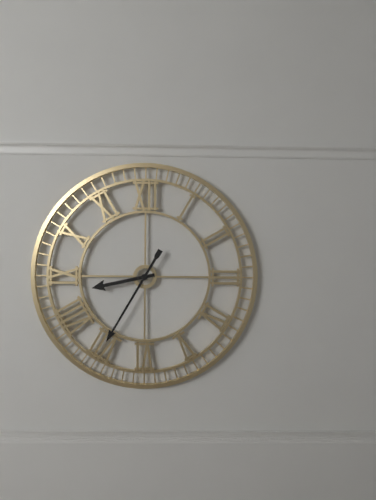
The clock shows 8:35
